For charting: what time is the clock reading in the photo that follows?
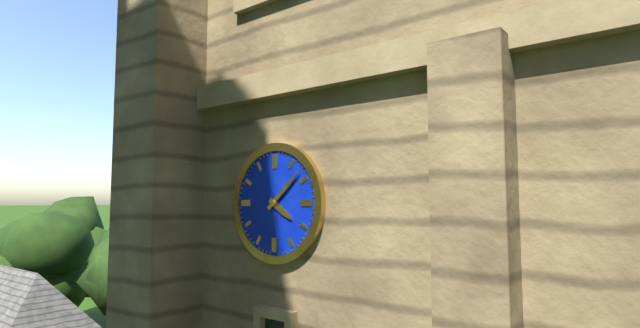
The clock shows 4:08
